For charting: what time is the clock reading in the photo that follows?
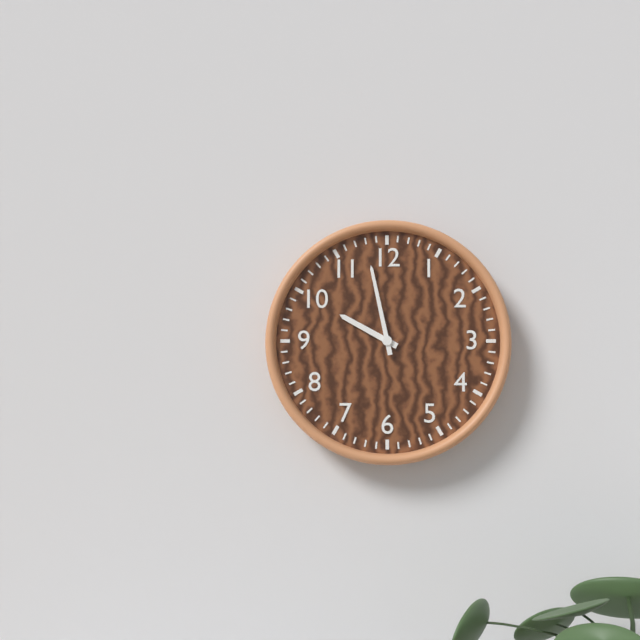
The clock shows 9:58
